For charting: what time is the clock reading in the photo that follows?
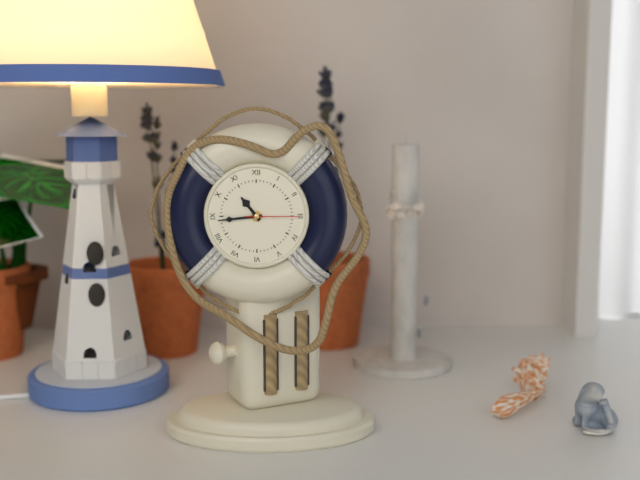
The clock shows 10:44:15
